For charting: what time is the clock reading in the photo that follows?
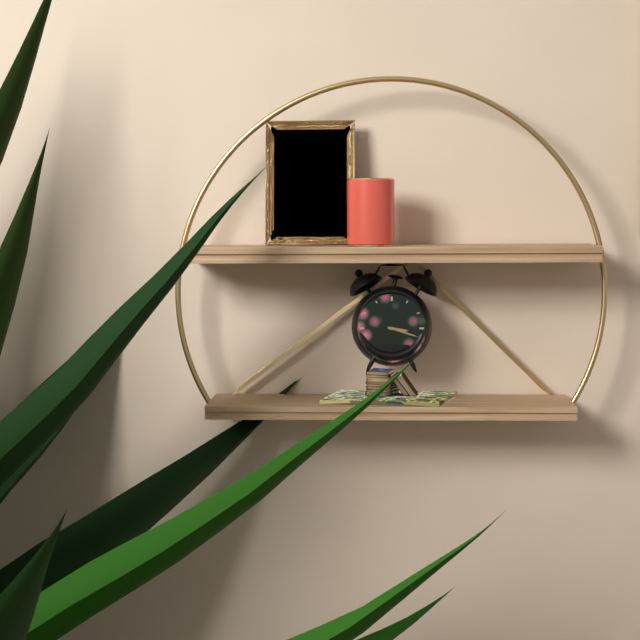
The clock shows 3:18
